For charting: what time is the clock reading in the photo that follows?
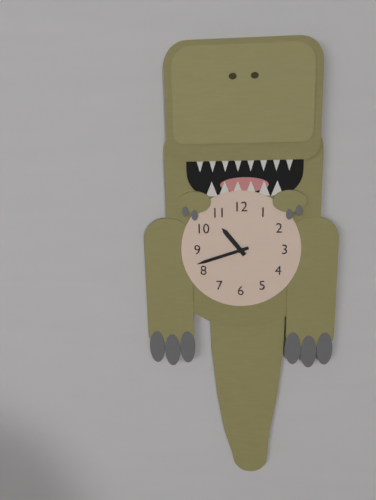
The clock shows 10:42
